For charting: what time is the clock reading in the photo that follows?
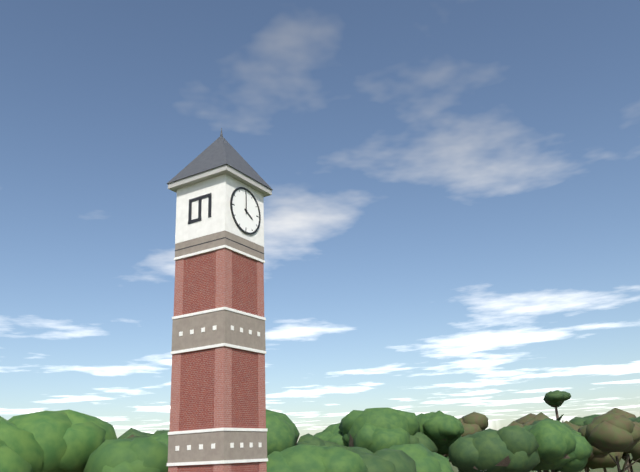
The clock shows 4:00
